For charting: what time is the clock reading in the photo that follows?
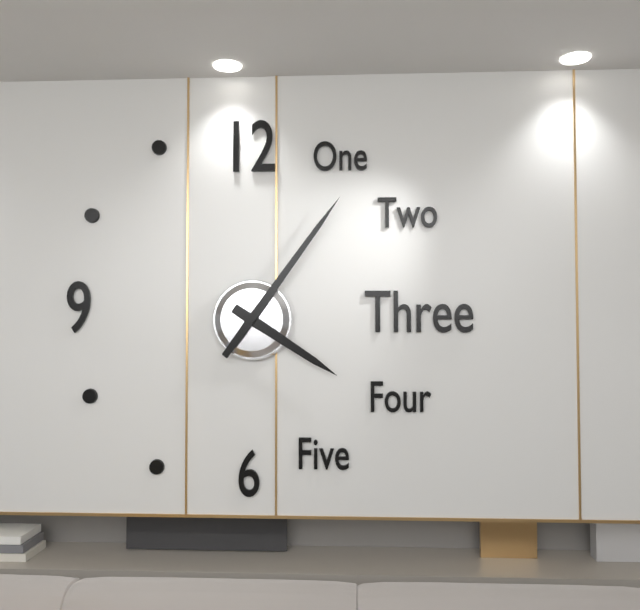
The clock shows 4:06
